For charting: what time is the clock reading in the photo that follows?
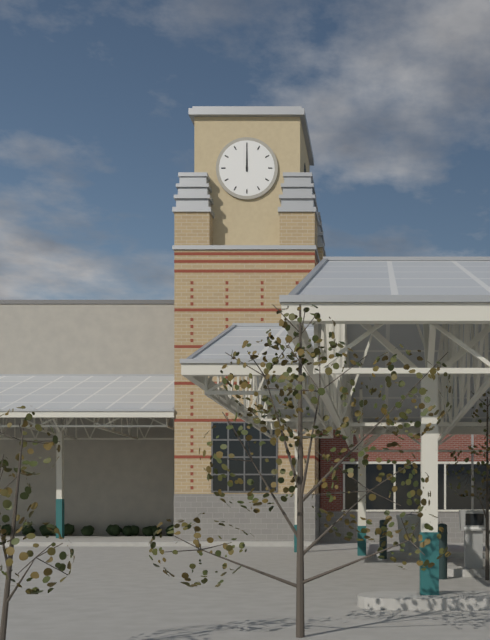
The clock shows 12:00
